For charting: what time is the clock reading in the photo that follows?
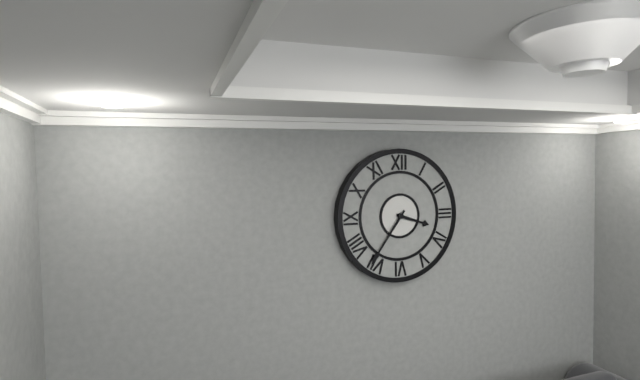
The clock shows 3:36
